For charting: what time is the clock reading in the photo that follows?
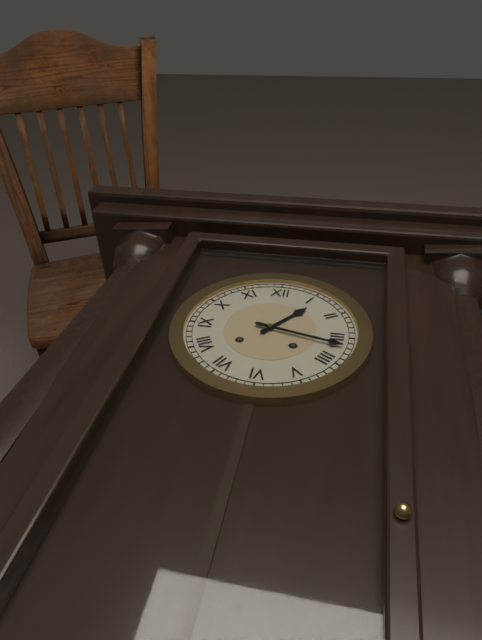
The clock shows 1:17
